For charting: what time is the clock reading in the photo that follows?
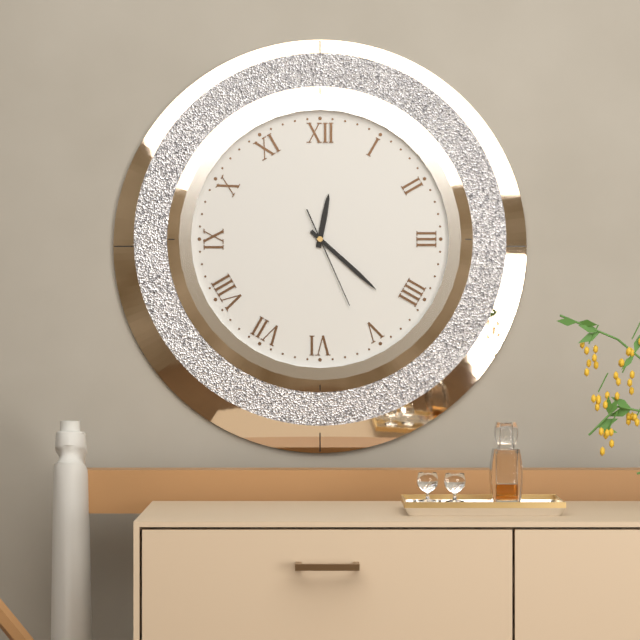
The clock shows 12:22:26
